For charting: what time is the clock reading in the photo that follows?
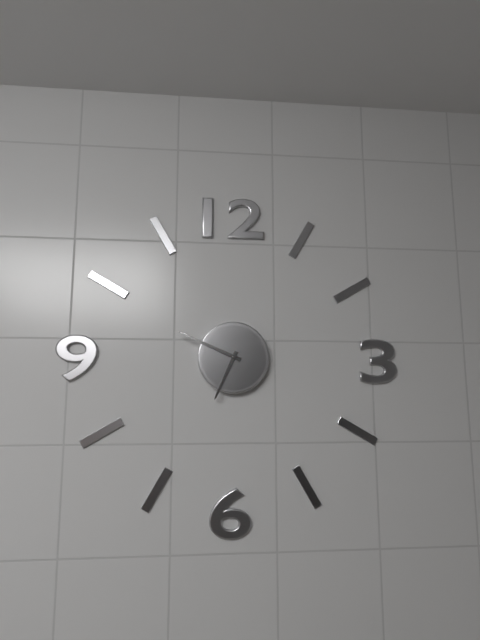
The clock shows 6:49
